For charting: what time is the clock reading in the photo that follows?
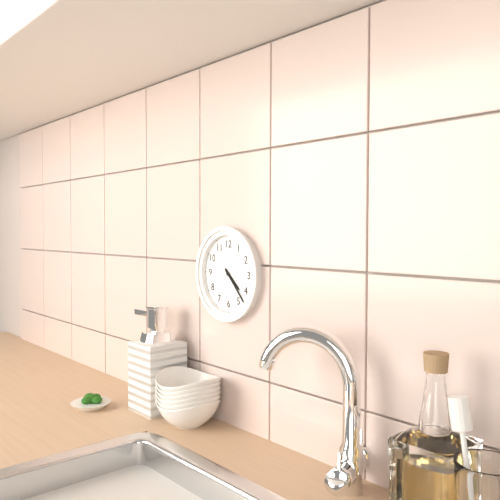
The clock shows 4:23
